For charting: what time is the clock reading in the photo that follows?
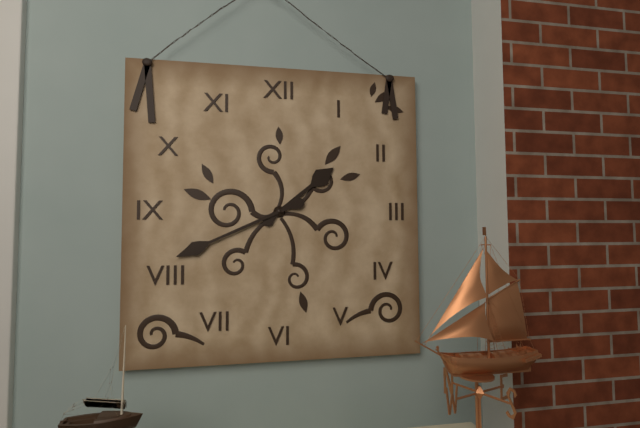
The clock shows 1:41
